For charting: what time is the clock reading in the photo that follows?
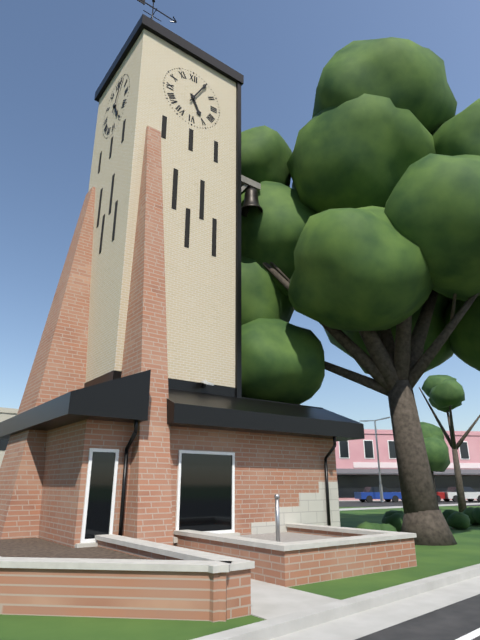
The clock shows 5:05
